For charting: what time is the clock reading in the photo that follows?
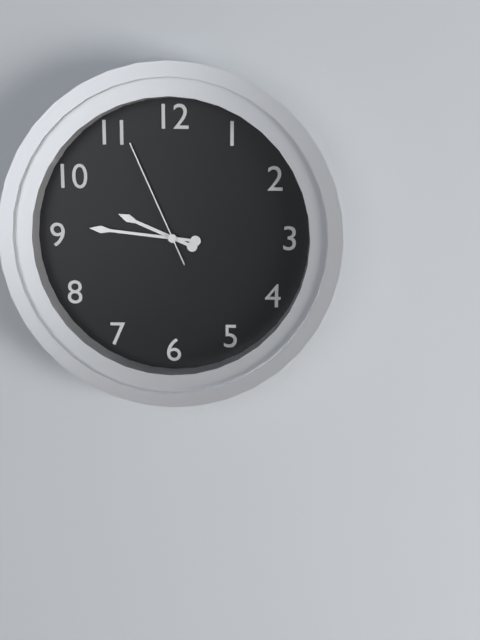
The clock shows 9:46:56
